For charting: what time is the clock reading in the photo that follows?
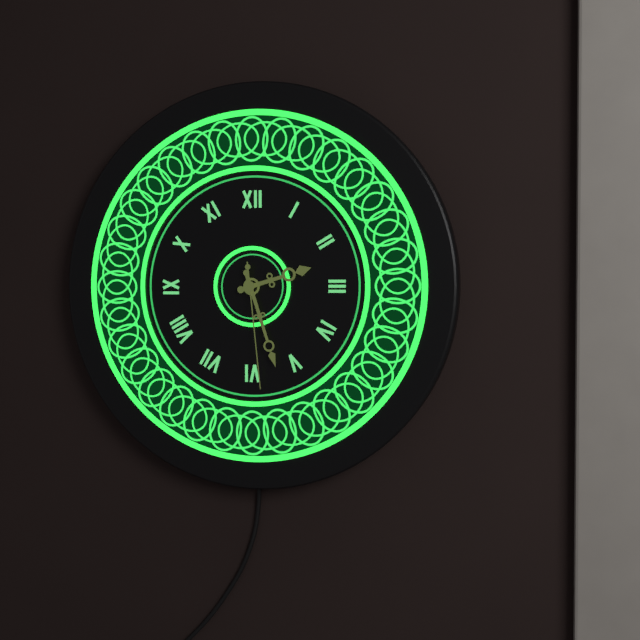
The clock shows 2:27:29
